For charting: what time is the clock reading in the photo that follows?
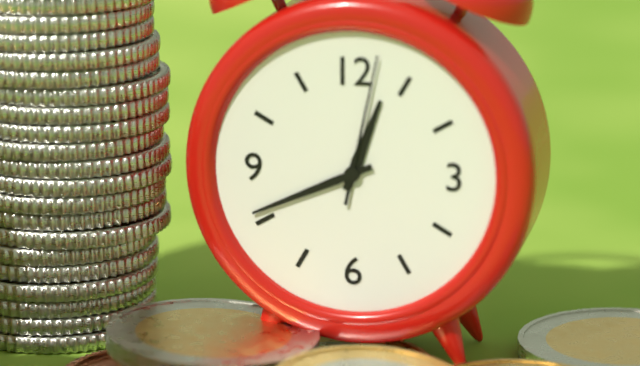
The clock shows 12:41:02
